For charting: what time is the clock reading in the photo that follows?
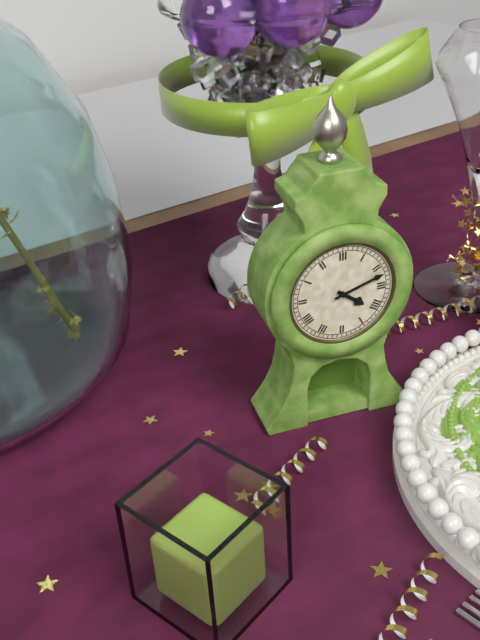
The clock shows 4:12
